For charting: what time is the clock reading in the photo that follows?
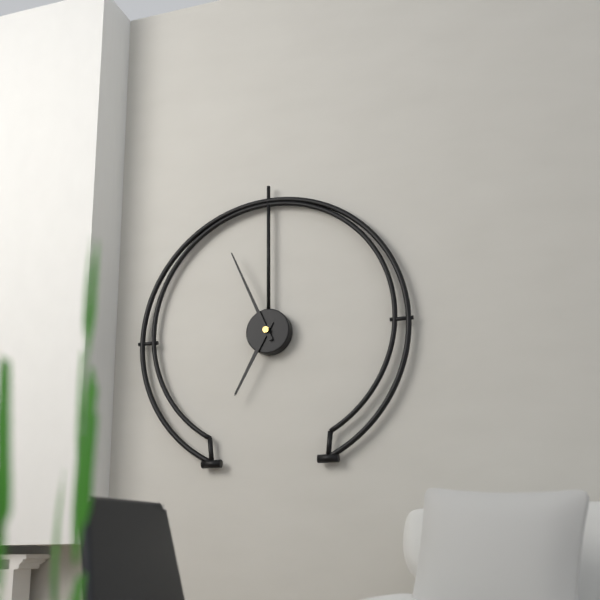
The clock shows 6:56
